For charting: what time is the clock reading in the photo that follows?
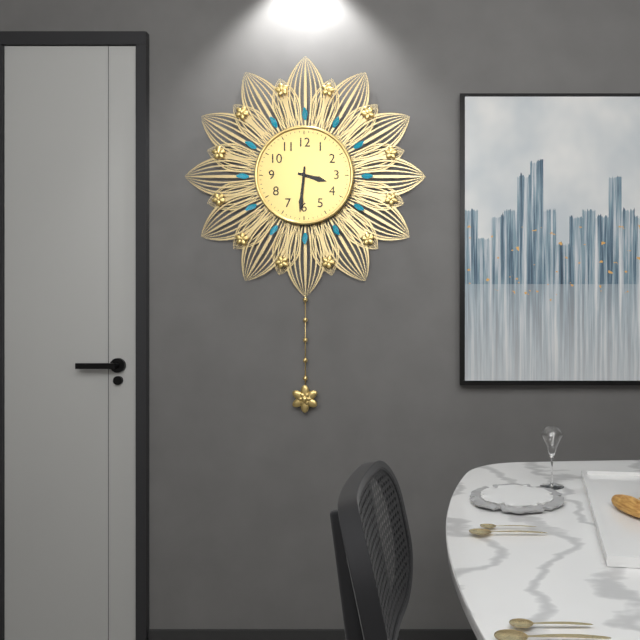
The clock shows 3:31
